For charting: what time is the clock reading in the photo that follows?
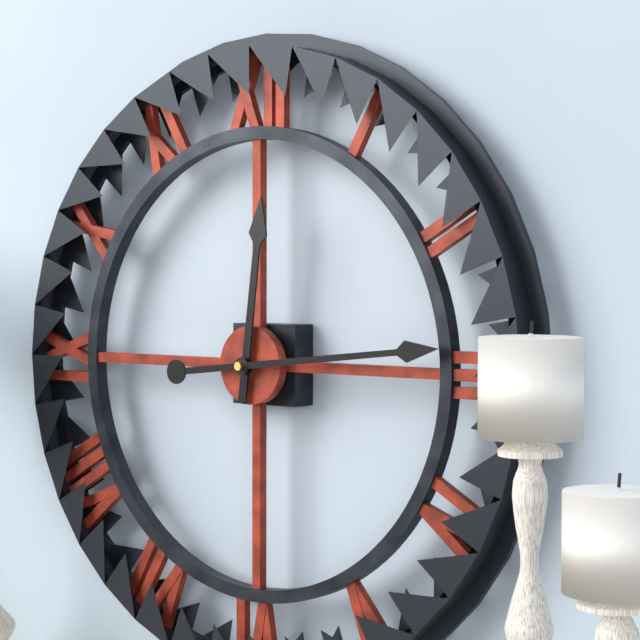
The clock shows 12:14
